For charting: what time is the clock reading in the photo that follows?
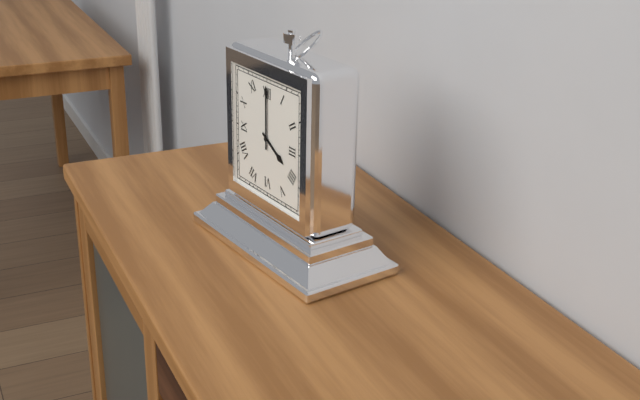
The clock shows 4:00
